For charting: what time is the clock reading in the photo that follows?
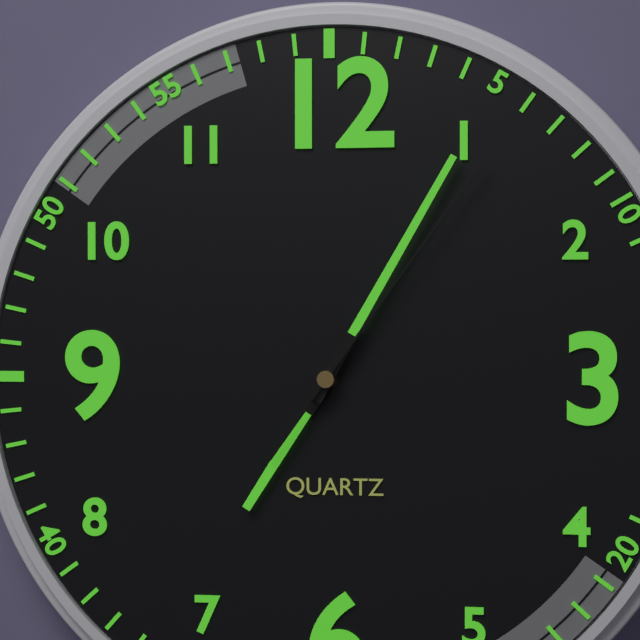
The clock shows 7:05:06
